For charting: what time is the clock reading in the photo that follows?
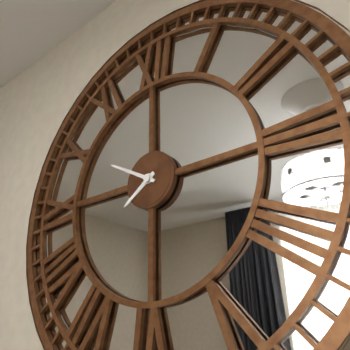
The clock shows 7:50
